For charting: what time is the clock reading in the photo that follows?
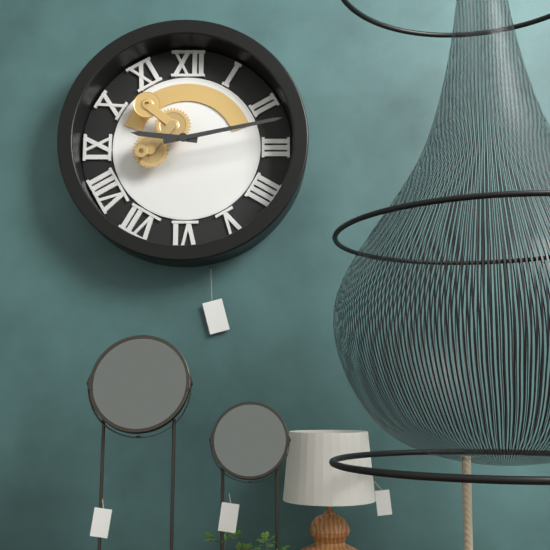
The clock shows 9:13
